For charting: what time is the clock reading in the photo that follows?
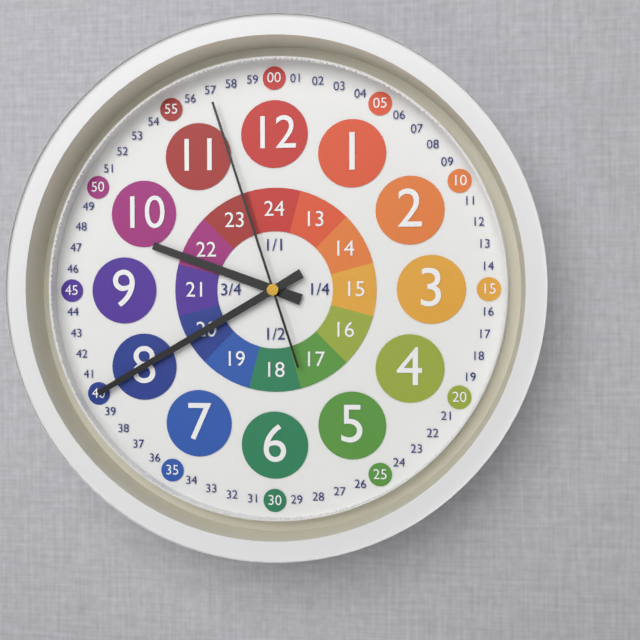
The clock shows 9:40:57
